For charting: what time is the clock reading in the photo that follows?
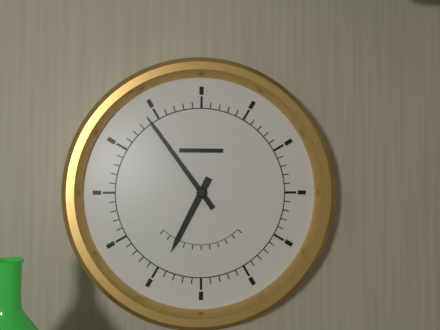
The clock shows 6:54
